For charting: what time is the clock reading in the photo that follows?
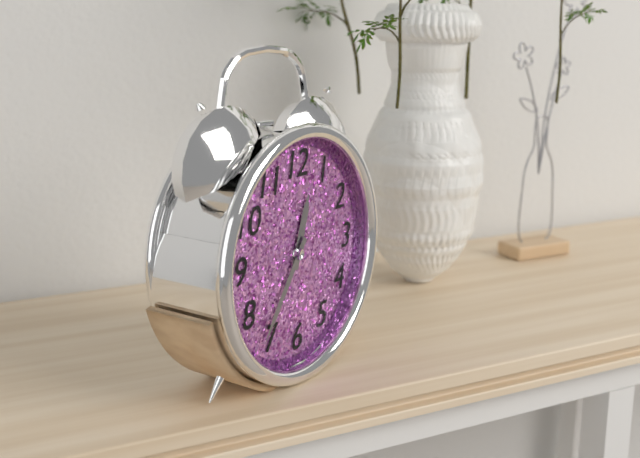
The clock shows 12:36
